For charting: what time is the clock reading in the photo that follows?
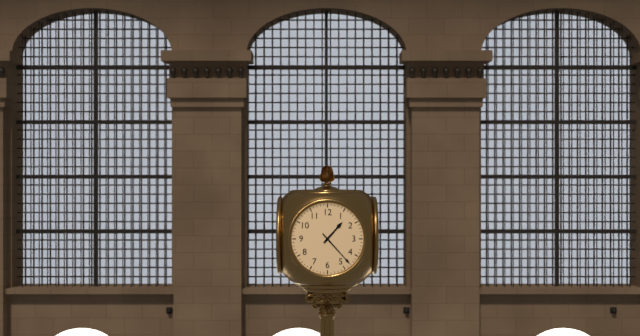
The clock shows 1:23
